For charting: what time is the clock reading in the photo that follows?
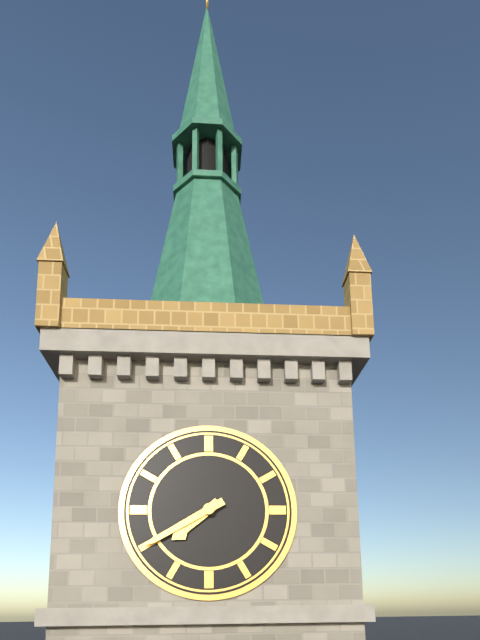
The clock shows 7:40
